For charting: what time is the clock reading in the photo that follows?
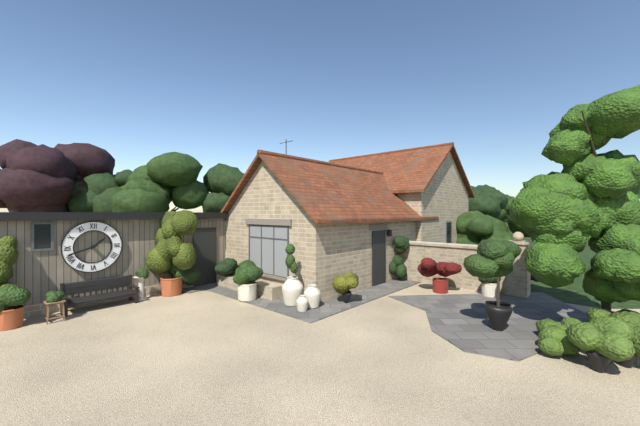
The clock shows 1:42
